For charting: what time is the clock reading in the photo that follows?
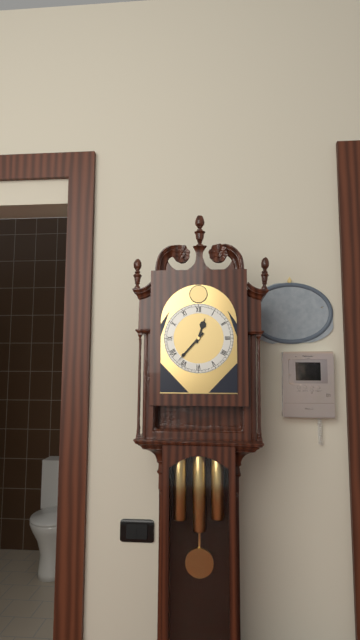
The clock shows 12:37
